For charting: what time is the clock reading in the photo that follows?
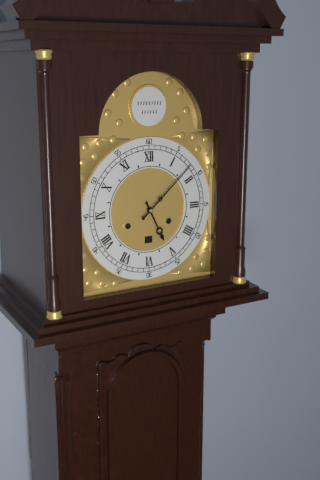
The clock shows 5:08
